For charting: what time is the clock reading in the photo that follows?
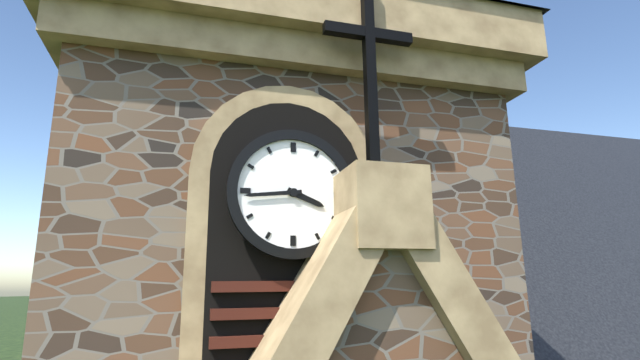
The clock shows 3:44
